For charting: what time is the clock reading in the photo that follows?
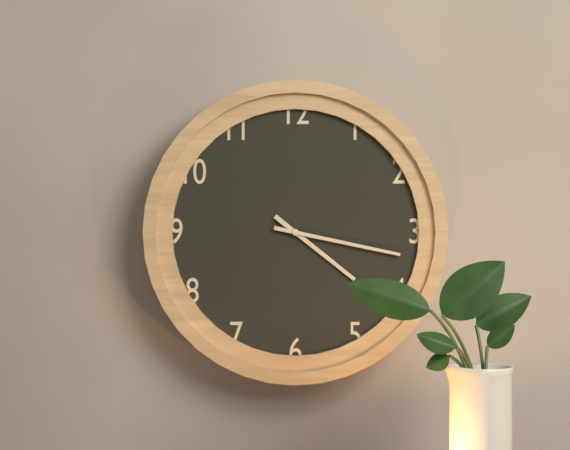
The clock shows 4:17
